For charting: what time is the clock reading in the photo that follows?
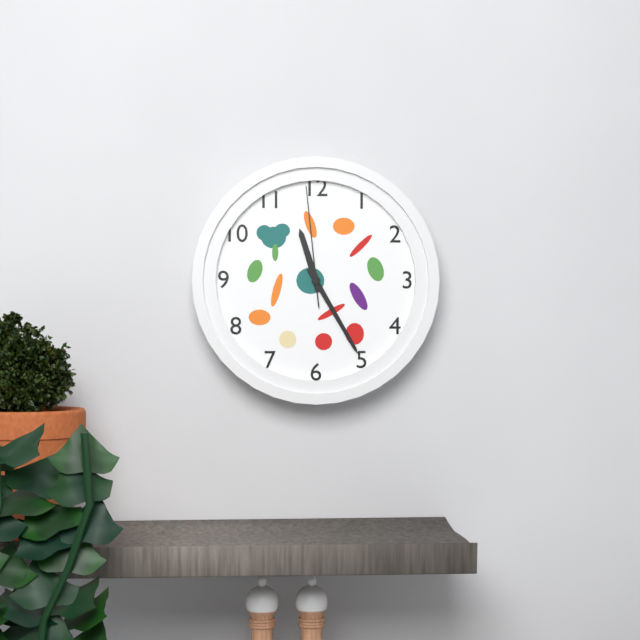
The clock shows 11:25:59
